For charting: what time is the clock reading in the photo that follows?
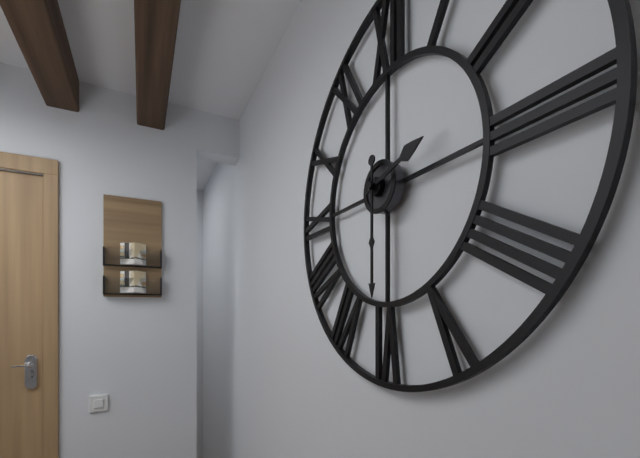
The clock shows 2:30
